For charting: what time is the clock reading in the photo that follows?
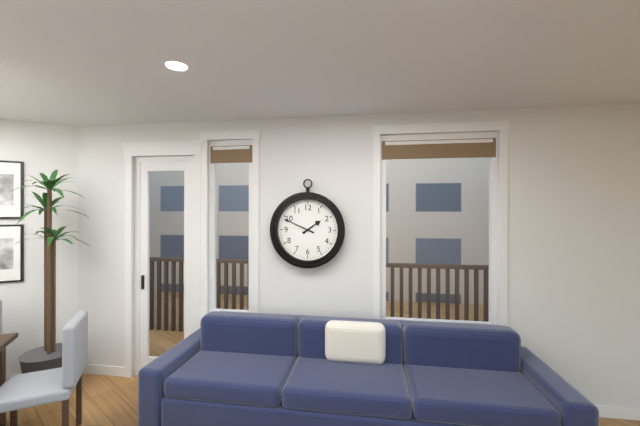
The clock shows 1:49
